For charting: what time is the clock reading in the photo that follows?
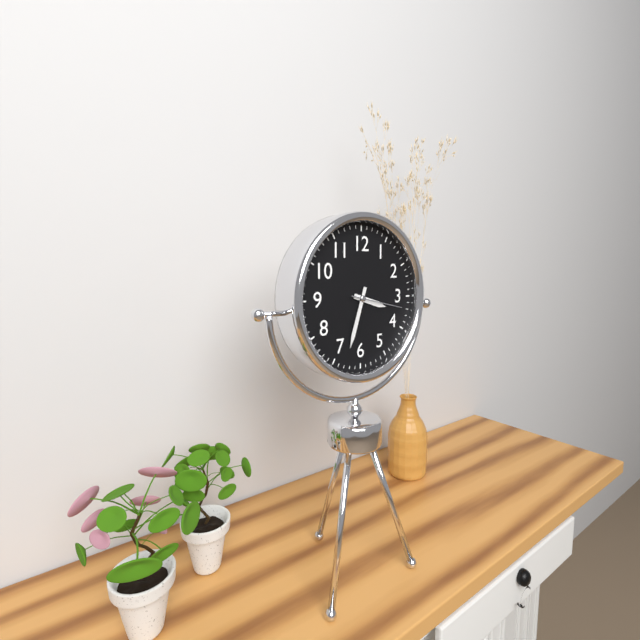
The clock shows 3:33:17
